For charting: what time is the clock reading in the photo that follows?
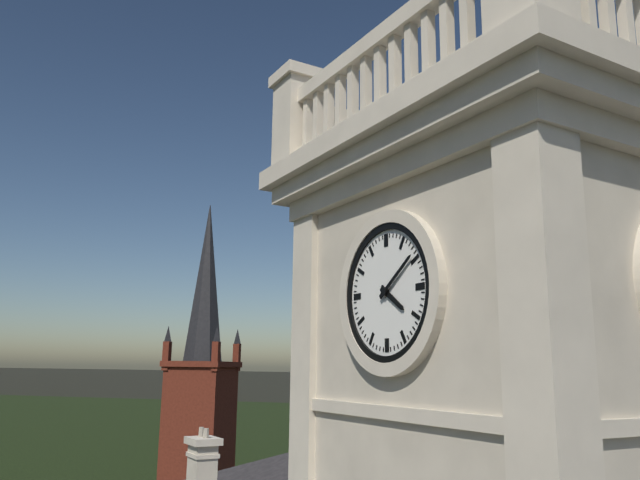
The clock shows 4:09
